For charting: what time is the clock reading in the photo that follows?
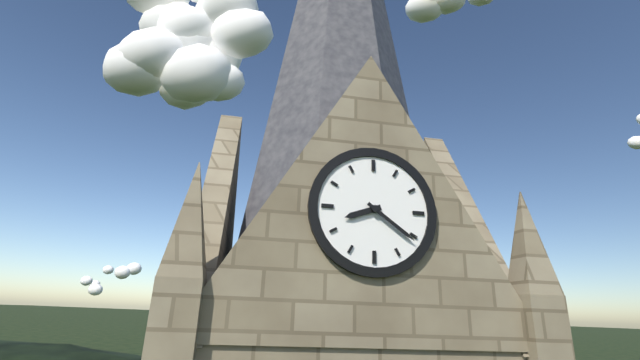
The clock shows 8:21
